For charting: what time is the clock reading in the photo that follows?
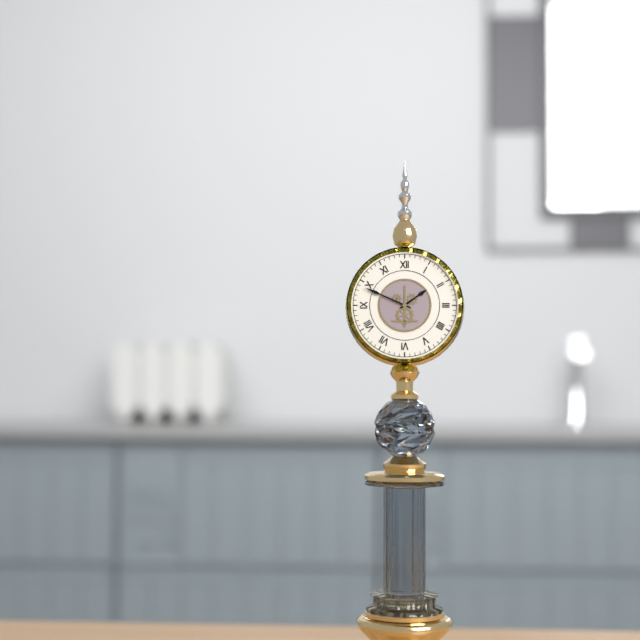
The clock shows 1:49
